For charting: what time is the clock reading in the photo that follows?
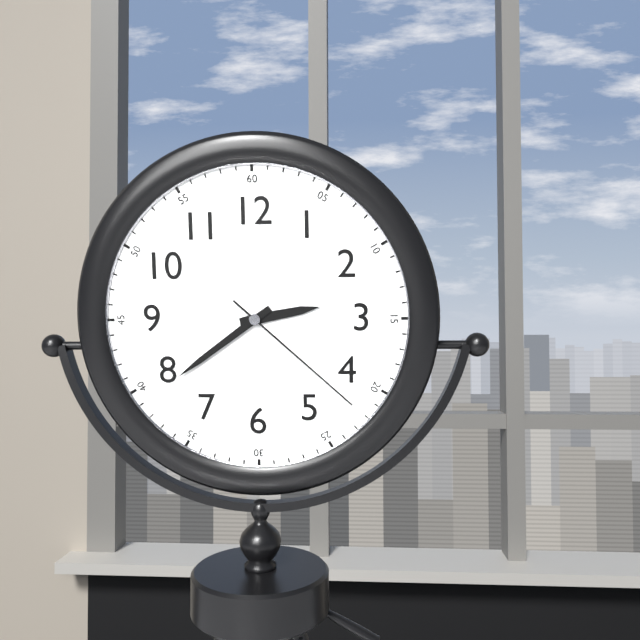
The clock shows 2:39:22
